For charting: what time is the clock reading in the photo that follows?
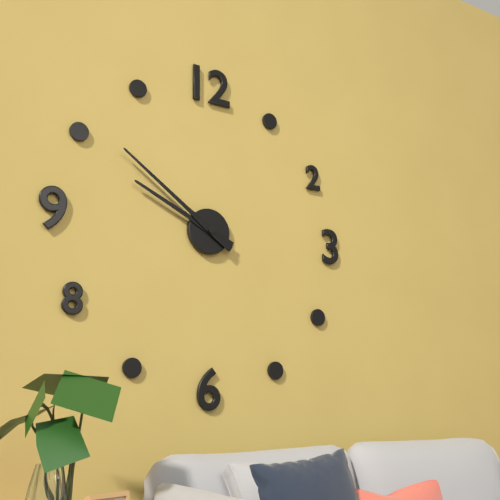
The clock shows 9:51
